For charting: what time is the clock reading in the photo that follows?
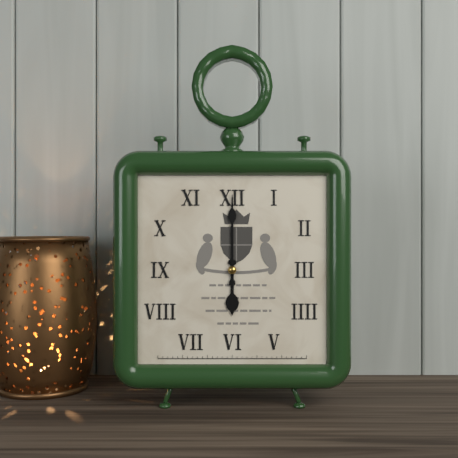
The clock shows 6:00
